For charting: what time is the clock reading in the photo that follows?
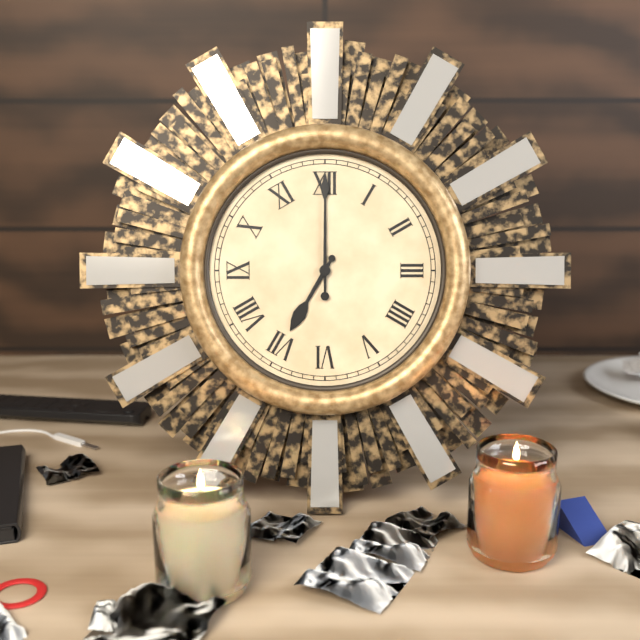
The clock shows 7:00
